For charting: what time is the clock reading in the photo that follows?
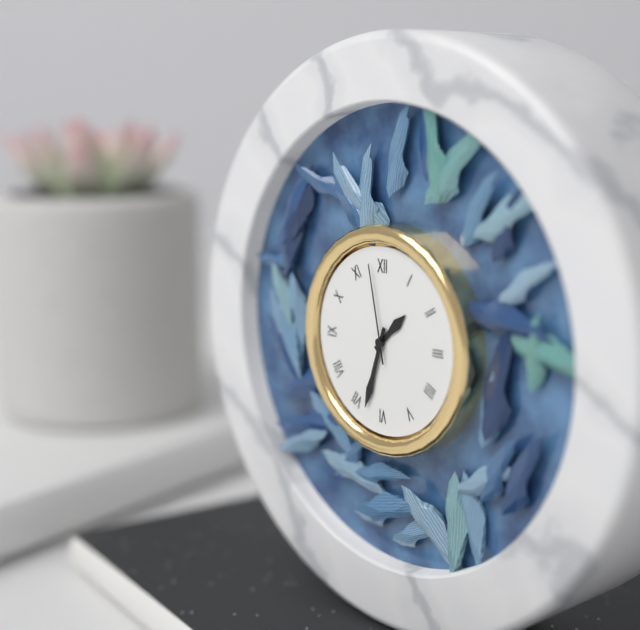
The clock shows 1:33:58
